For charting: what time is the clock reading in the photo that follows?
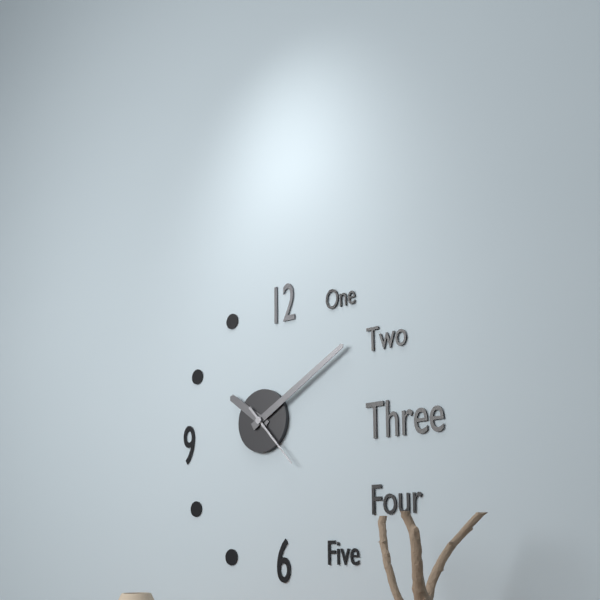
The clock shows 10:10:23
